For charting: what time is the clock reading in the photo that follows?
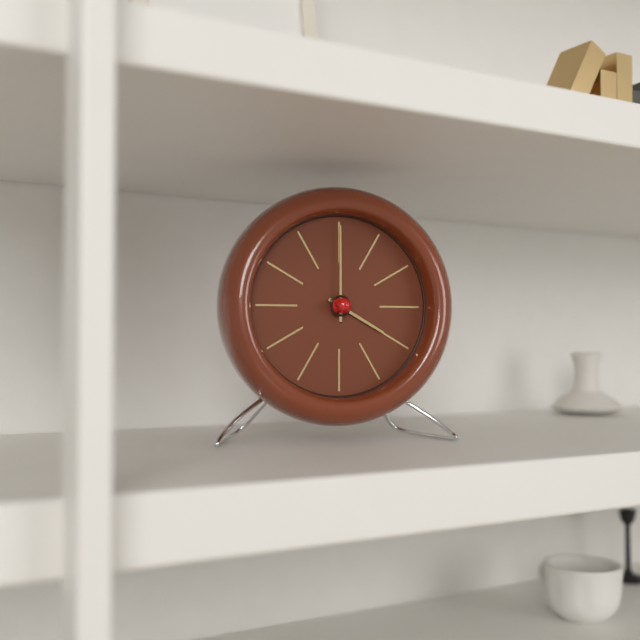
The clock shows 4:00
